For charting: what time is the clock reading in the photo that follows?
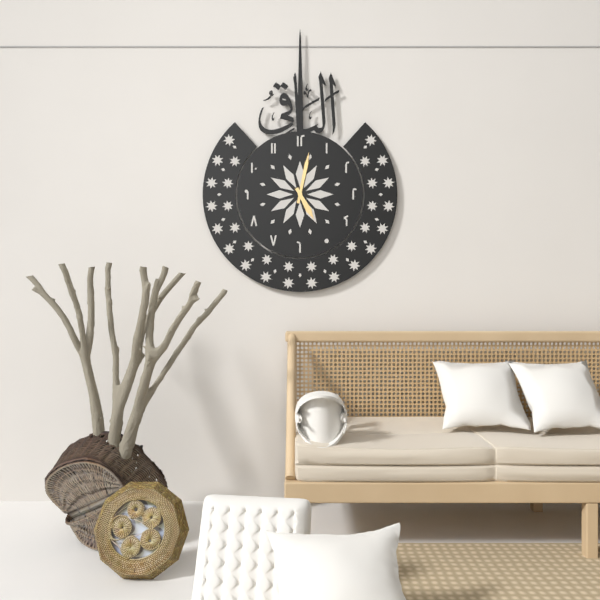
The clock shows 5:02
